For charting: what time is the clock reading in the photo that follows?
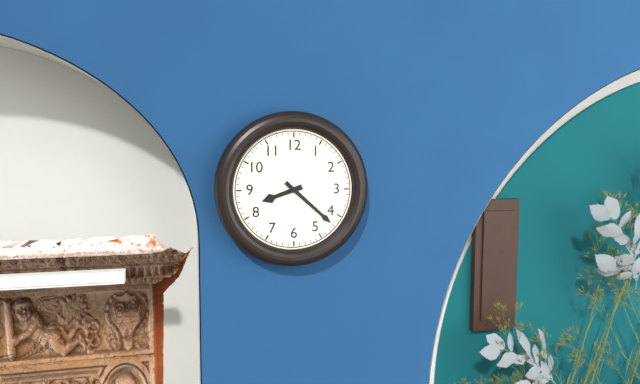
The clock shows 8:22
